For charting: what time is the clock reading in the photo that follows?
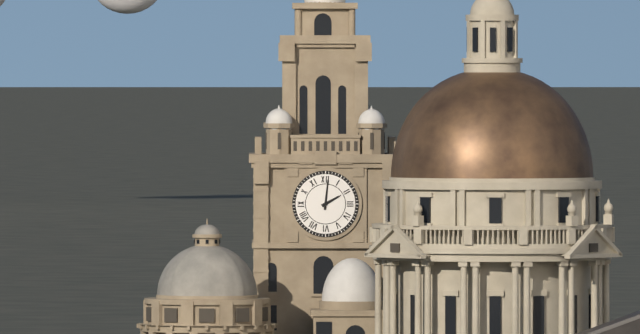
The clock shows 2:01
